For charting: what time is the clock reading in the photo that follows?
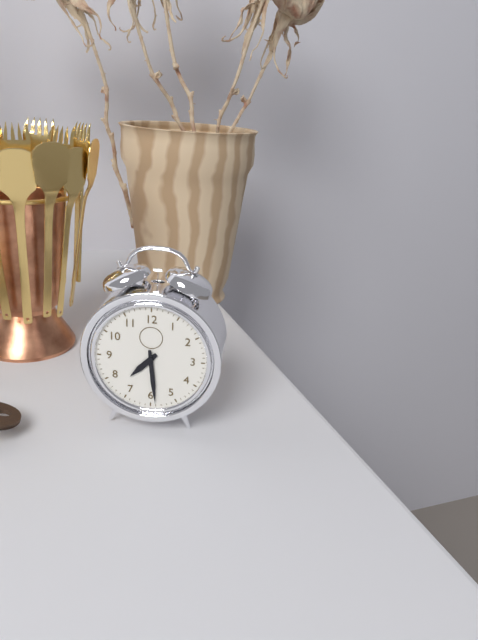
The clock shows 7:29
